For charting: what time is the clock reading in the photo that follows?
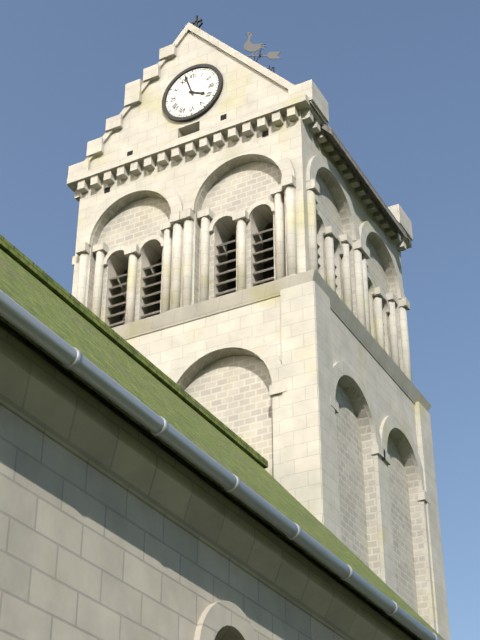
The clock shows 3:57
